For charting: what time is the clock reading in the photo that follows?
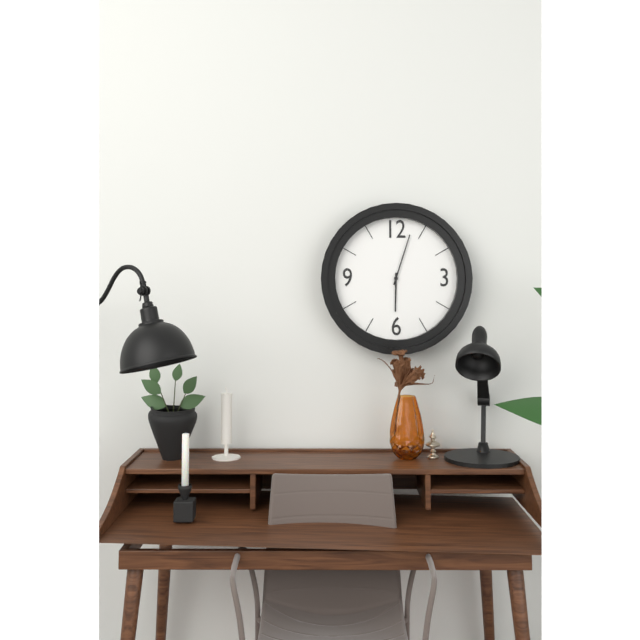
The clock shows 6:03
